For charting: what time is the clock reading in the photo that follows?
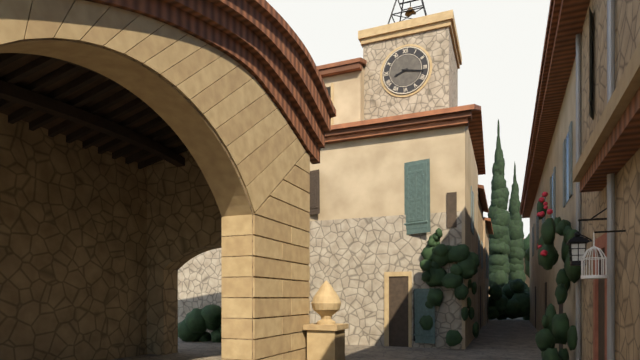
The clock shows 8:17
